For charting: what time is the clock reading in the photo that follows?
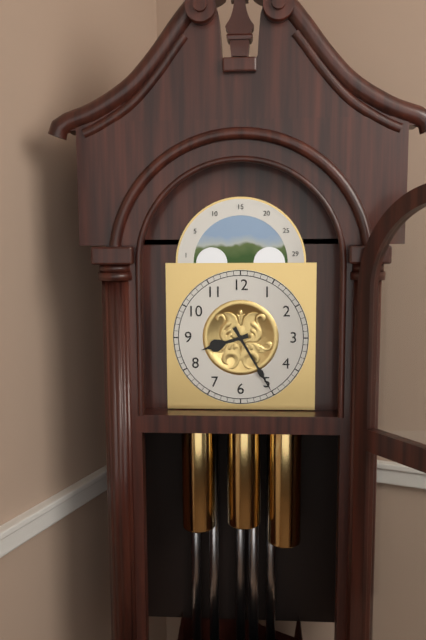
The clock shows 8:25
